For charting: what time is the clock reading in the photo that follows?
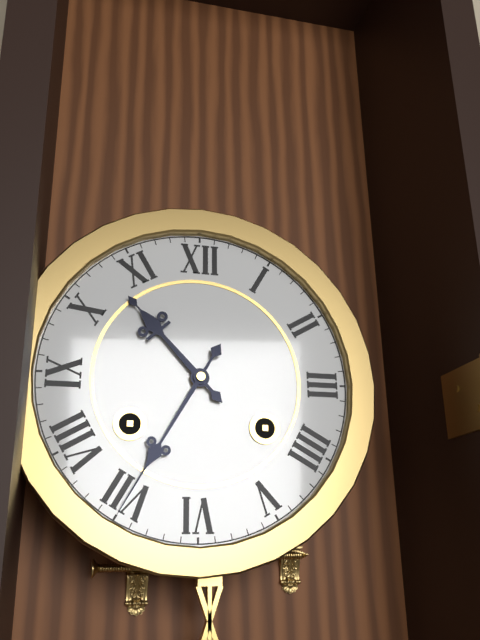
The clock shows 10:35
